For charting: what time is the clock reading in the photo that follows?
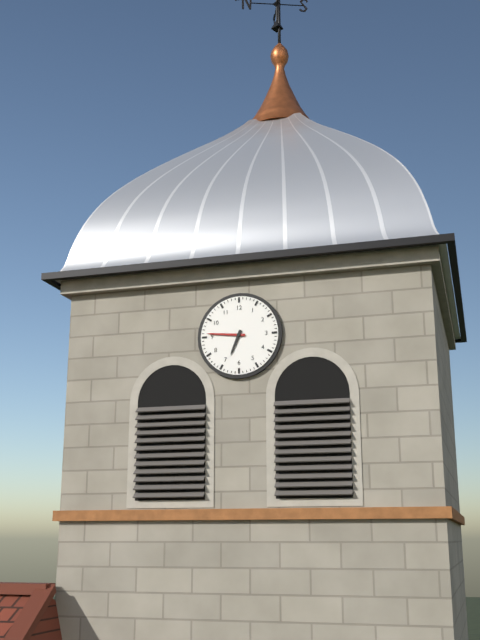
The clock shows 6:46
